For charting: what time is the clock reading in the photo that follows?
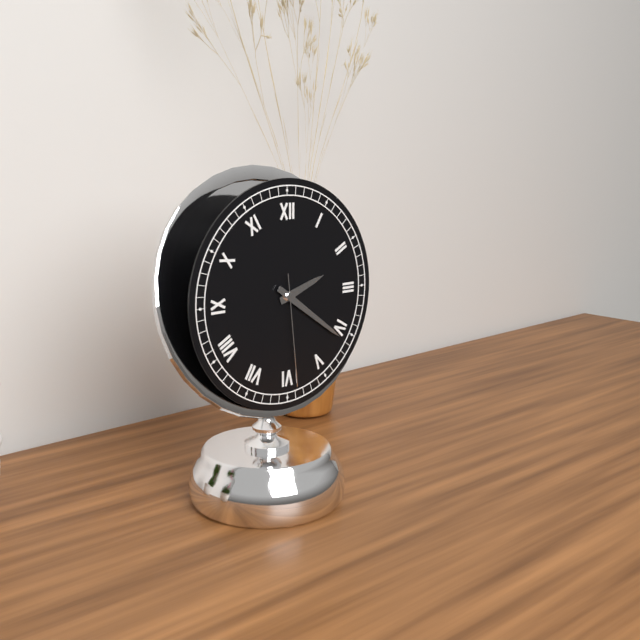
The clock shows 2:21:29
